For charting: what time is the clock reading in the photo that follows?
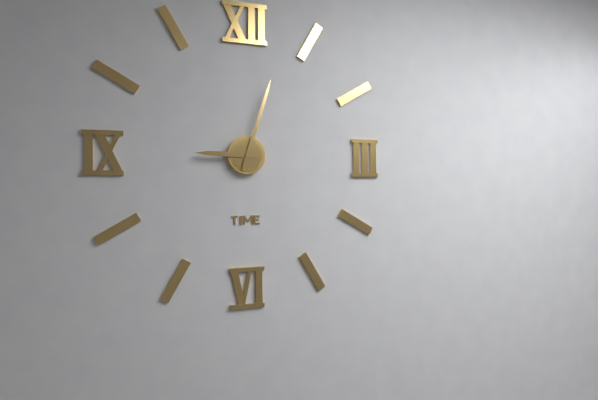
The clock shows 9:03
